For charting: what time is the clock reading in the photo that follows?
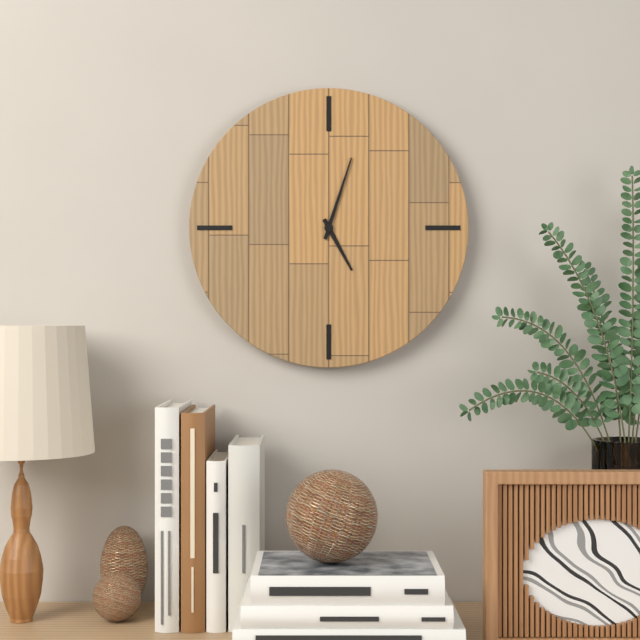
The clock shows 5:03
